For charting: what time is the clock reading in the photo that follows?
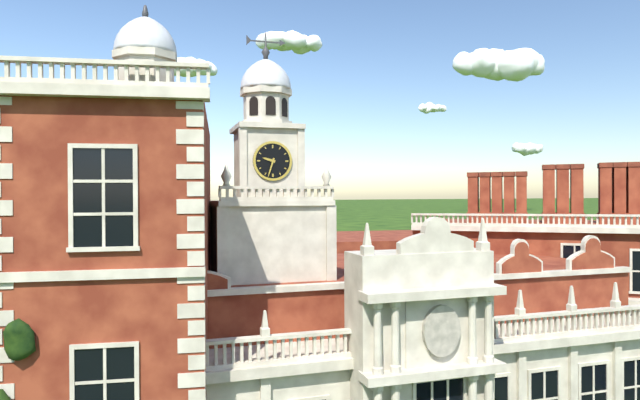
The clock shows 9:33
